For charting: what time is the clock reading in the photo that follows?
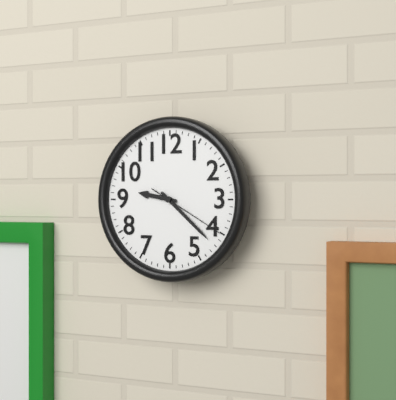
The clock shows 9:22:20
